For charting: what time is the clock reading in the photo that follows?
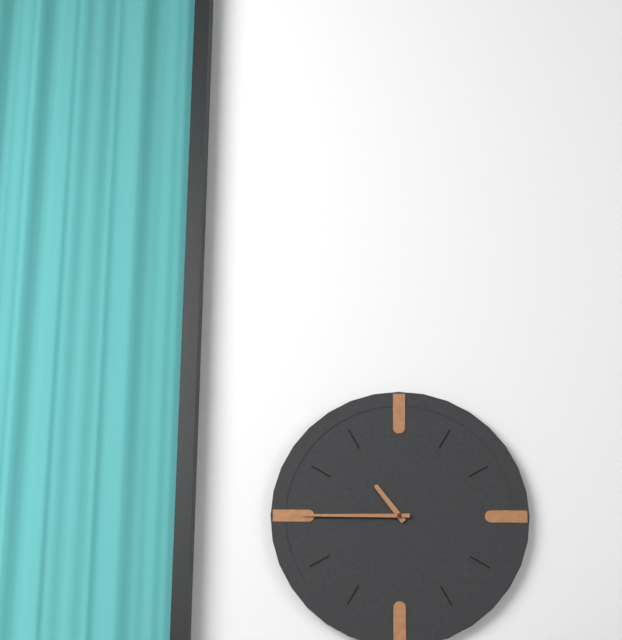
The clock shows 10:45
